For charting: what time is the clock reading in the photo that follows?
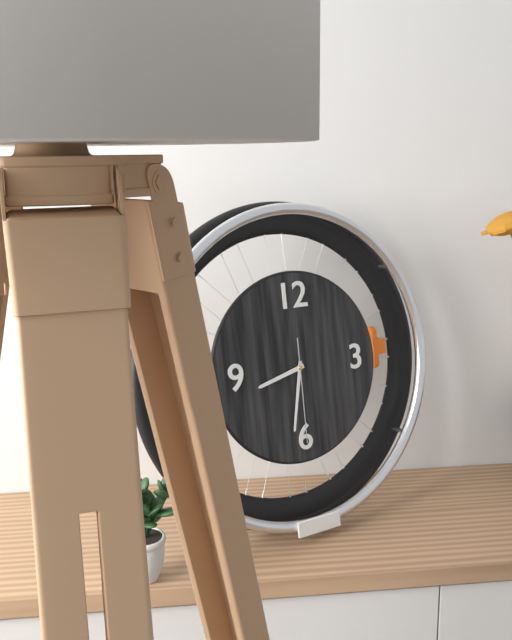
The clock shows 8:32:30
